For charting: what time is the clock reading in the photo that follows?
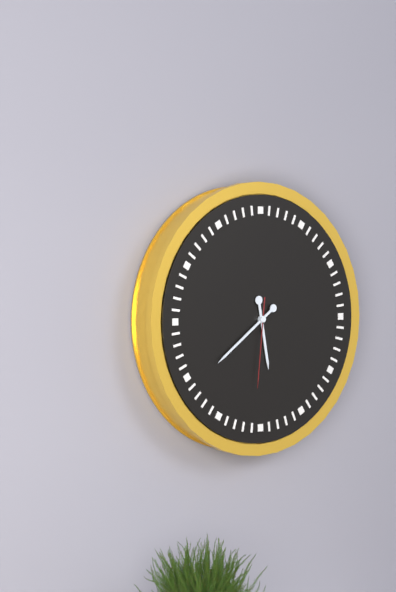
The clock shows 5:39:31
